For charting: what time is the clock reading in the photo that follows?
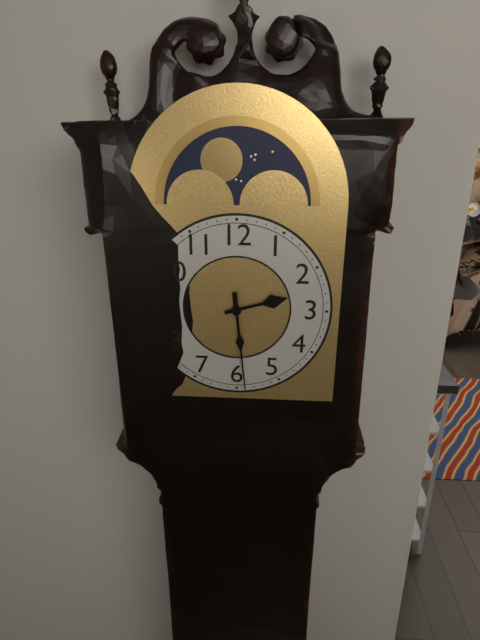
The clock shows 2:29
